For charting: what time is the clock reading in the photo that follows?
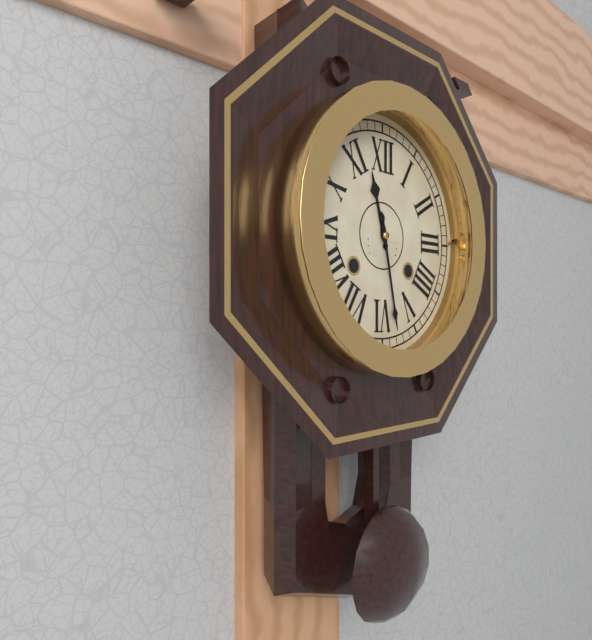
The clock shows 11:28
